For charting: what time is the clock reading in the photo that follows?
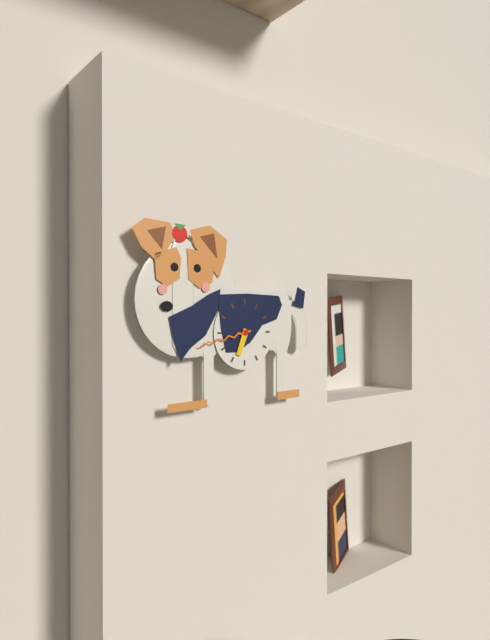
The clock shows 6:43
